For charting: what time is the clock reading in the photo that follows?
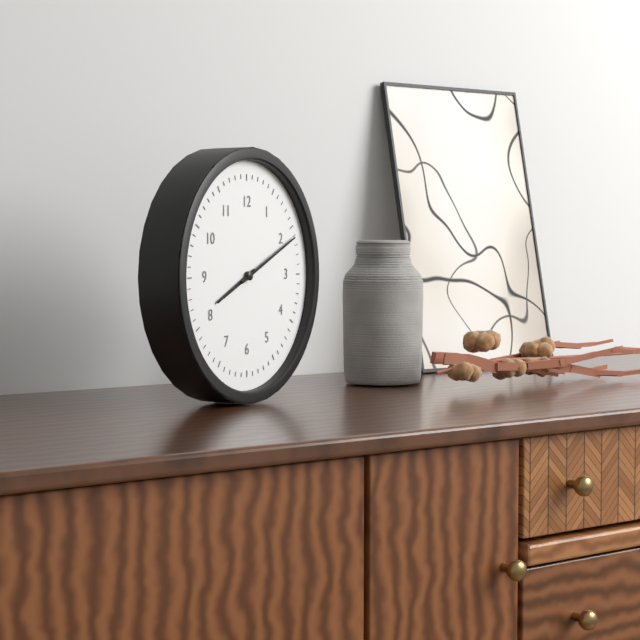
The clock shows 8:11
